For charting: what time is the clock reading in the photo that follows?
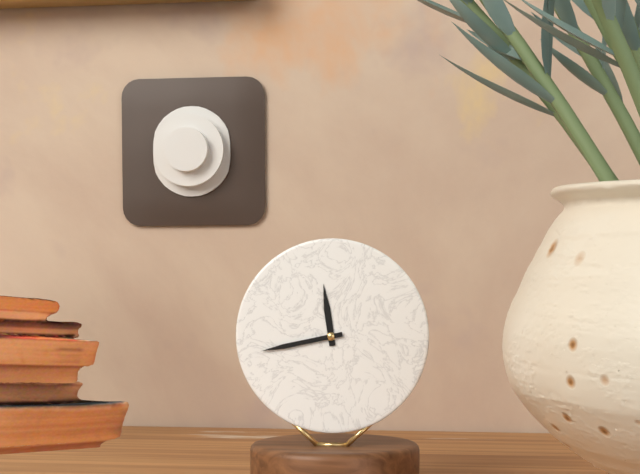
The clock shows 11:43
